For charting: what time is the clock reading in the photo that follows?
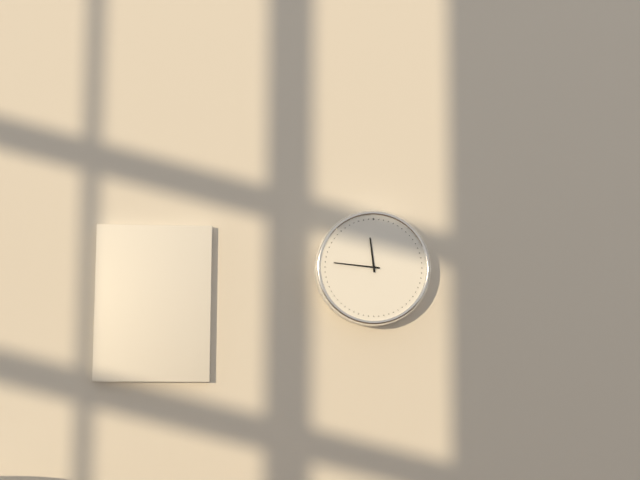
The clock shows 11:46
